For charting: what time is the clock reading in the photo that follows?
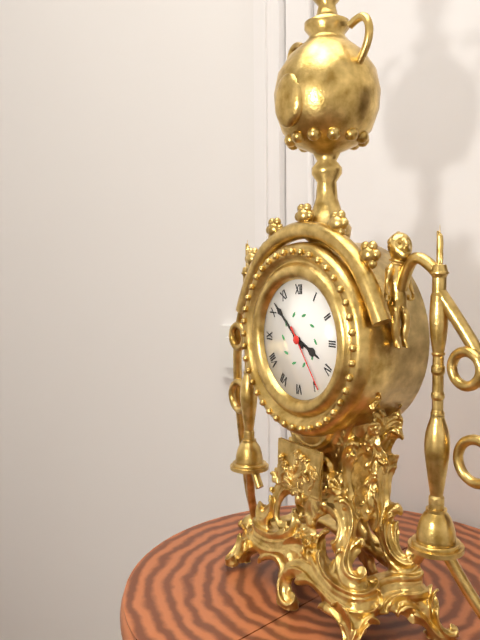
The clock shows 3:52:24
